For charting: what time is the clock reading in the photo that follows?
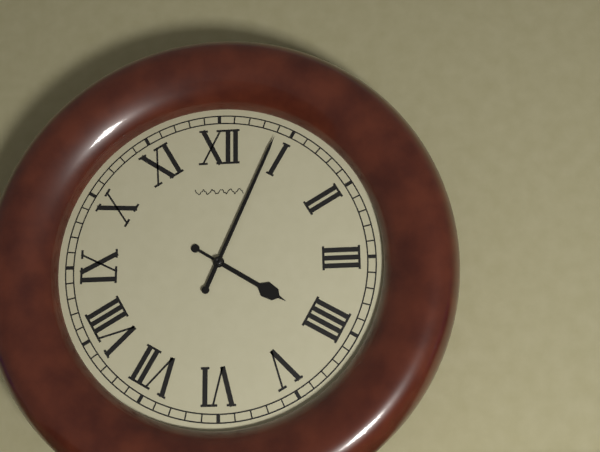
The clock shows 4:04
